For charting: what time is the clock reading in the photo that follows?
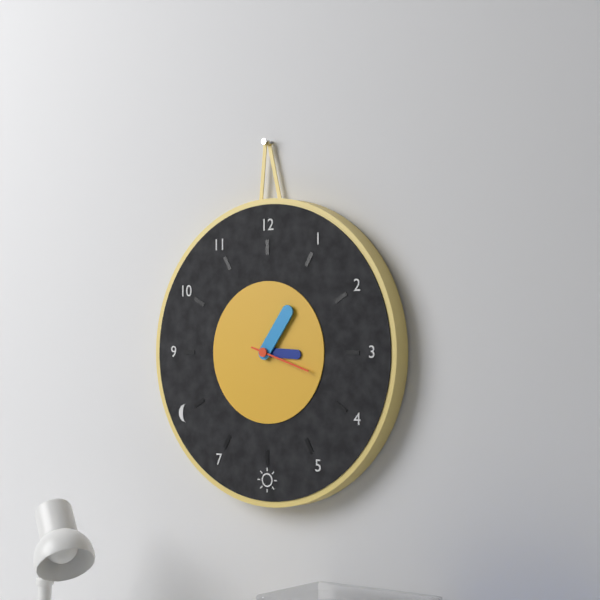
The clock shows 3:06:18
